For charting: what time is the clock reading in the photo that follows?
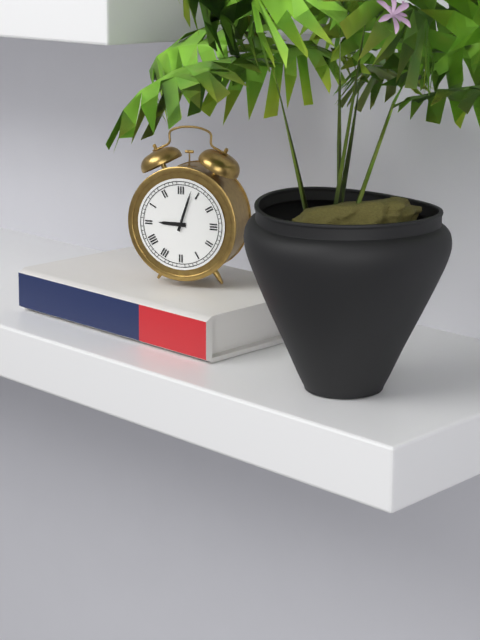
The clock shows 9:03
